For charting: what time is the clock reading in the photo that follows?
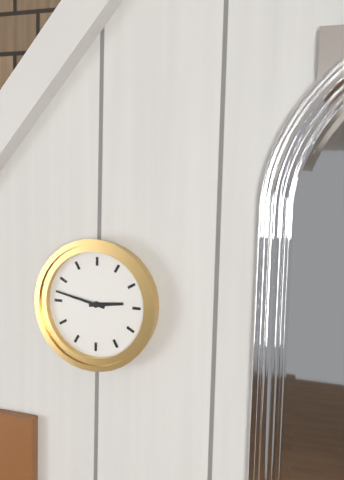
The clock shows 2:47
